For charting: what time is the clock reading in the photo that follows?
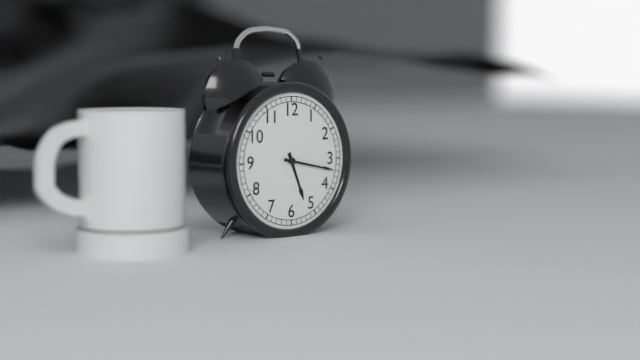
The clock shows 5:17
